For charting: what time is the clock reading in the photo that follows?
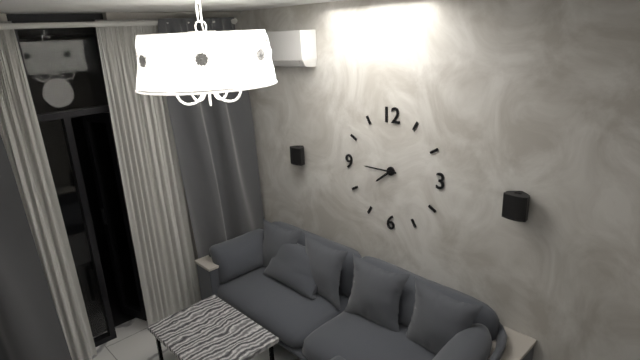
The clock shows 7:45
